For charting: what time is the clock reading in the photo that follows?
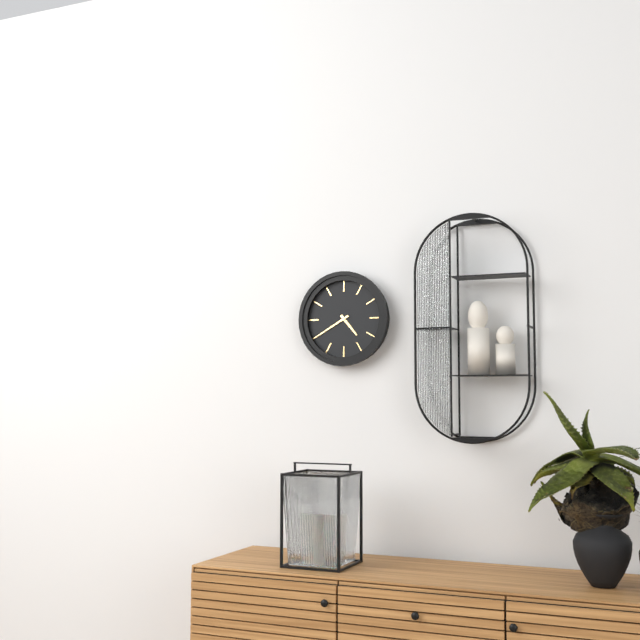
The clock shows 4:40
